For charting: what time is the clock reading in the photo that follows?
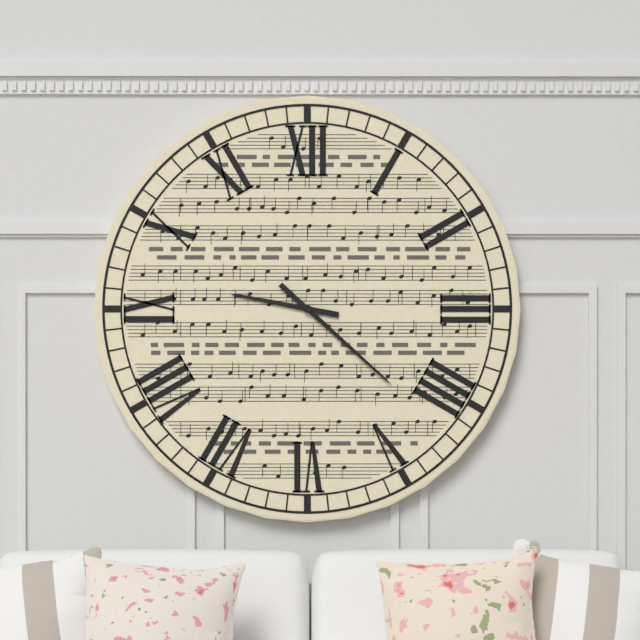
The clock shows 9:22
